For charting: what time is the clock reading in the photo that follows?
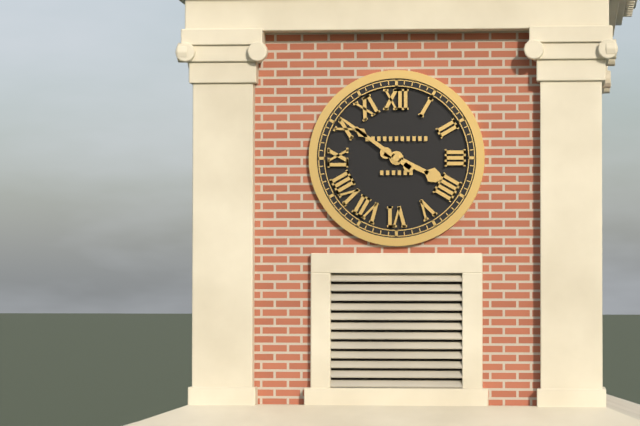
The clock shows 3:51
